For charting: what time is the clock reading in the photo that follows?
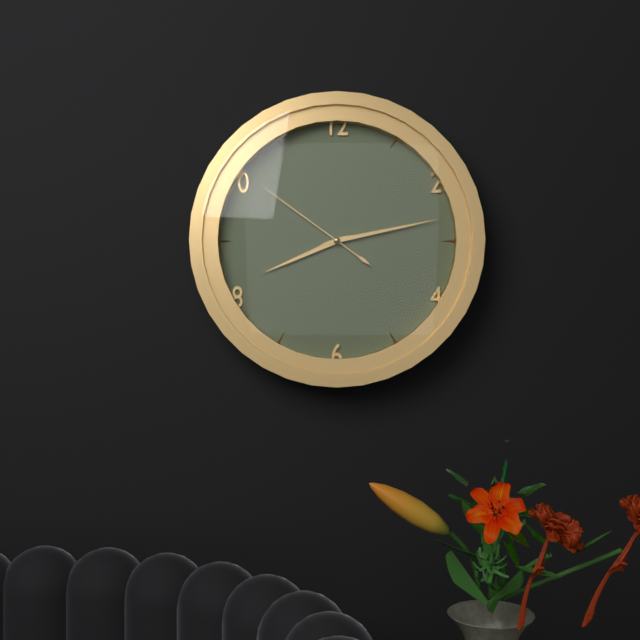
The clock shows 8:13:51
